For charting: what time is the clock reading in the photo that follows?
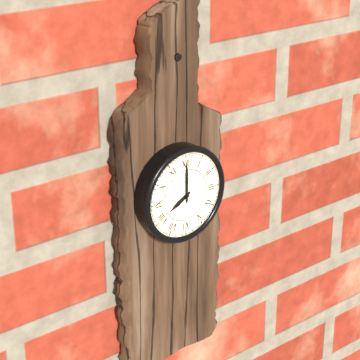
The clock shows 8:00
